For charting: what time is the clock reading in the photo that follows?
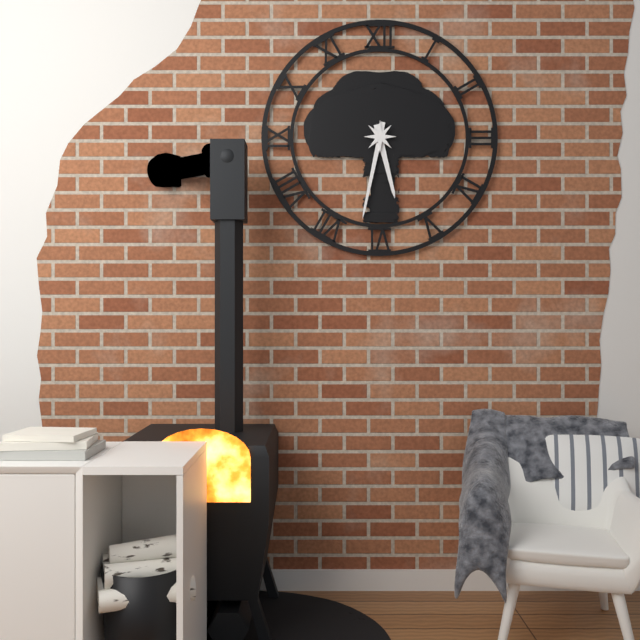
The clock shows 5:32
